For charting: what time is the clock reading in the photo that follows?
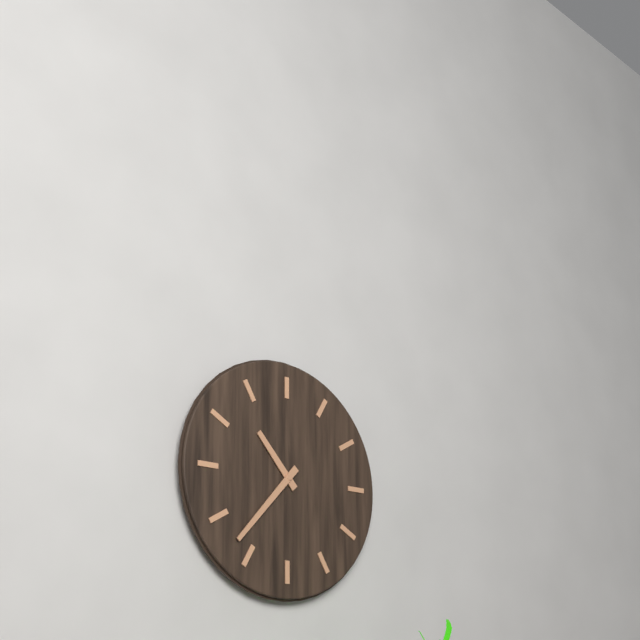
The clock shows 10:37
